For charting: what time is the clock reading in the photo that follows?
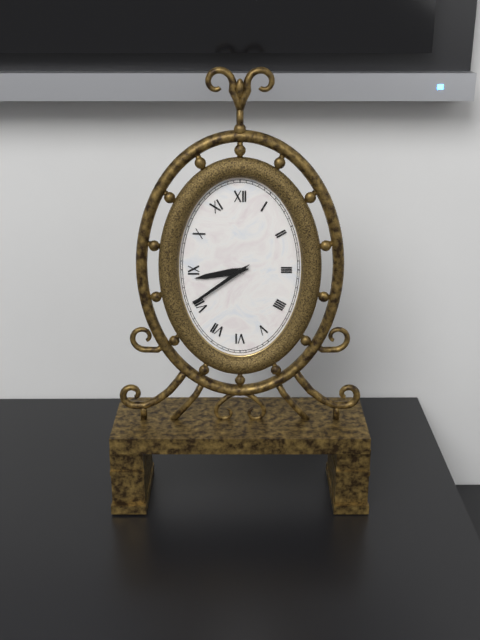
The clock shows 8:39
